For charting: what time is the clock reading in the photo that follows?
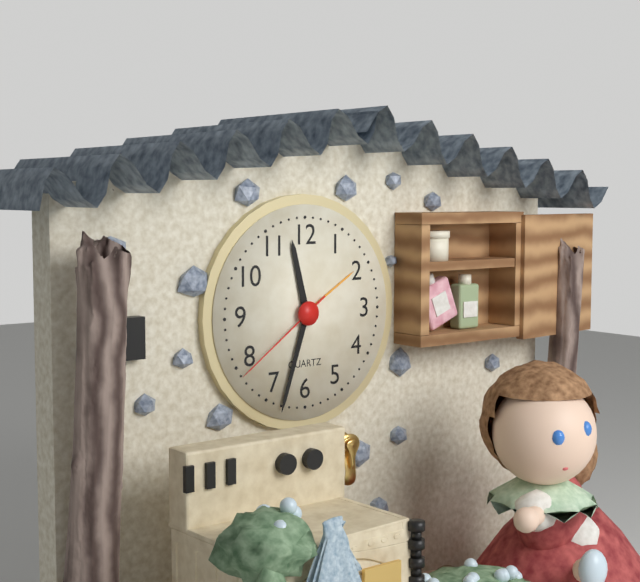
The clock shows 11:33:39
